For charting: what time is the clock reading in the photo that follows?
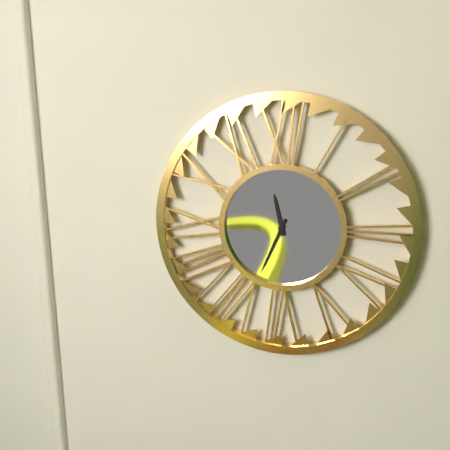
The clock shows 11:34
